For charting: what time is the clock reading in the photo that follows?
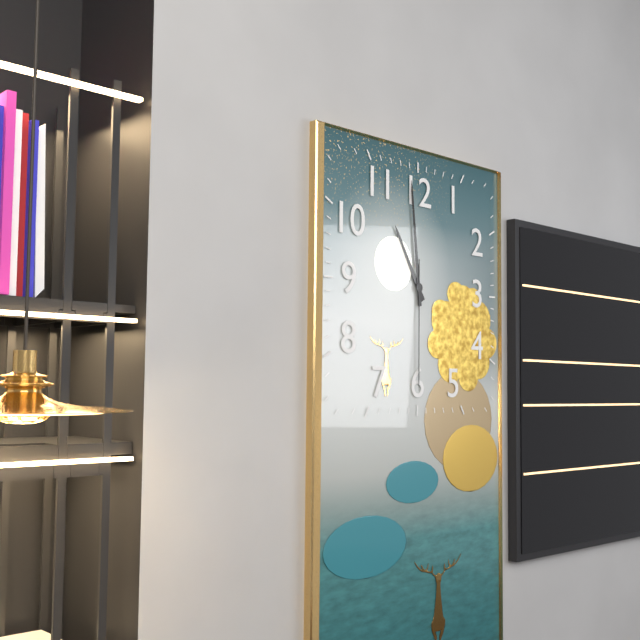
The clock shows 10:59:30
